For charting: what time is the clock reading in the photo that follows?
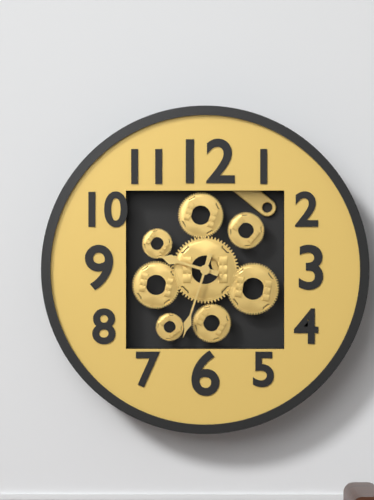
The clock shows 9:33
